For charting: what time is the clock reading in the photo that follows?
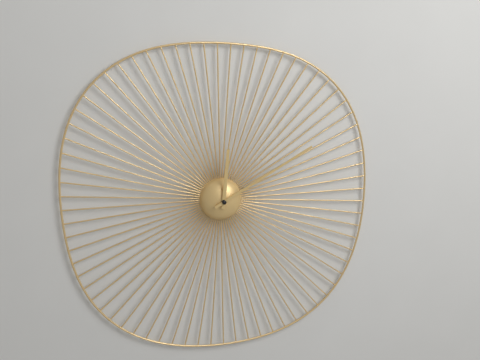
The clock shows 12:10
